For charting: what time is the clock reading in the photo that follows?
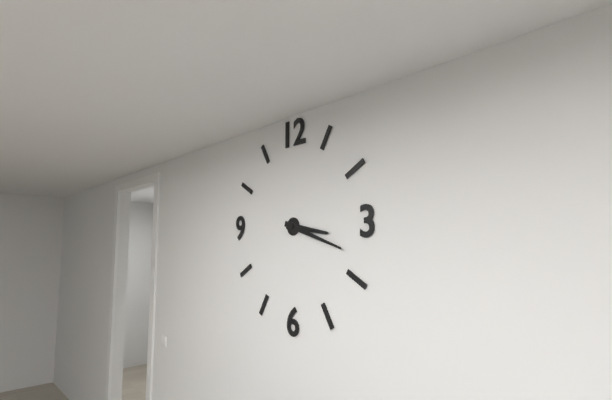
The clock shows 3:18
